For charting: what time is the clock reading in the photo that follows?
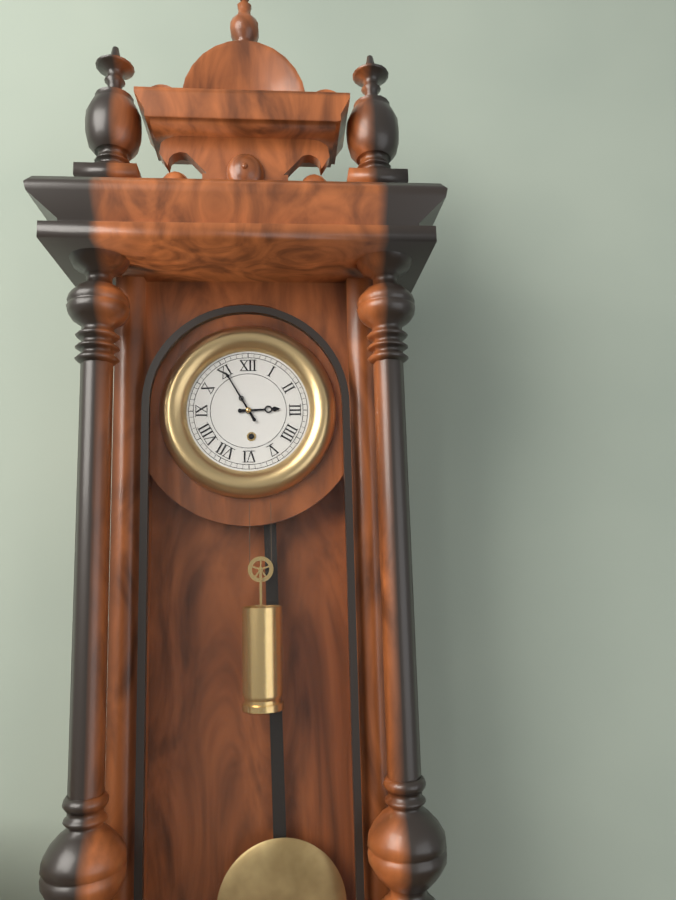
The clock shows 2:55
